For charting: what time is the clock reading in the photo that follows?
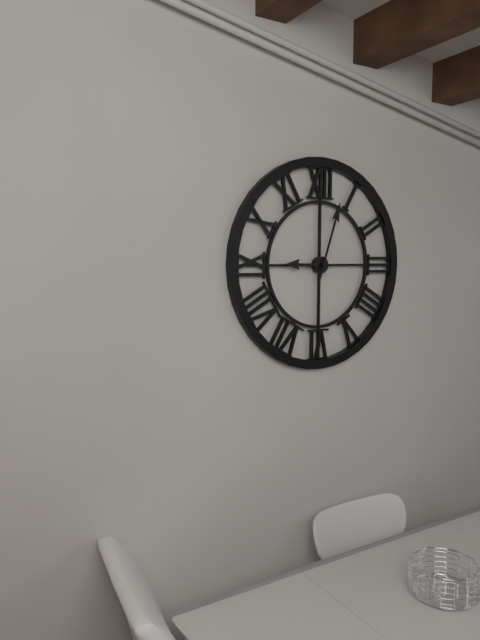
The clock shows 9:03
